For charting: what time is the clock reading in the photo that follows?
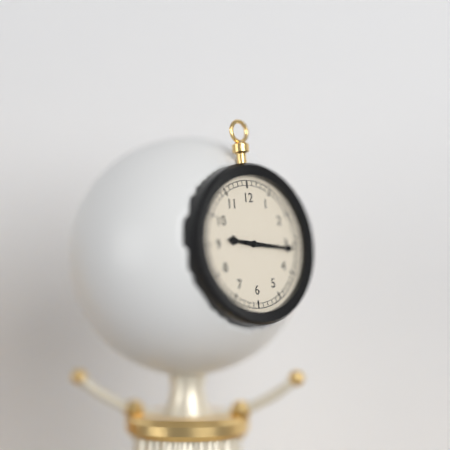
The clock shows 9:16
